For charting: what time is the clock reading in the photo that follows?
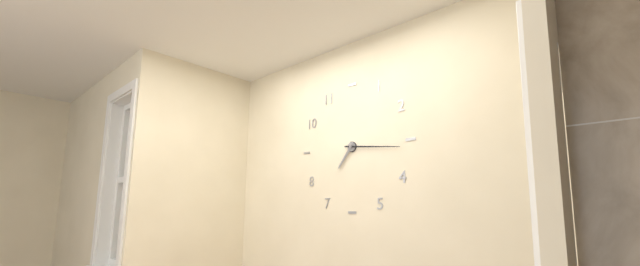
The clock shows 7:16
